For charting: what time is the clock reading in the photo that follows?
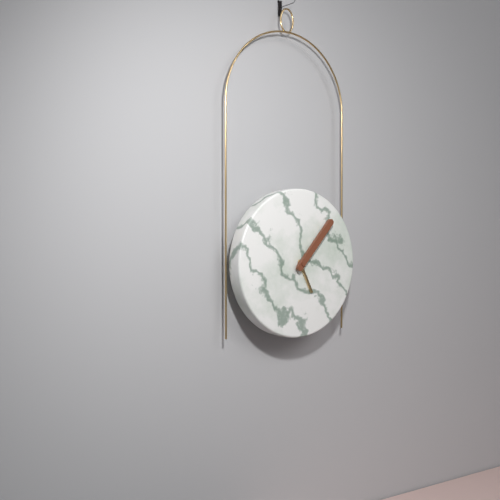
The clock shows 5:07
